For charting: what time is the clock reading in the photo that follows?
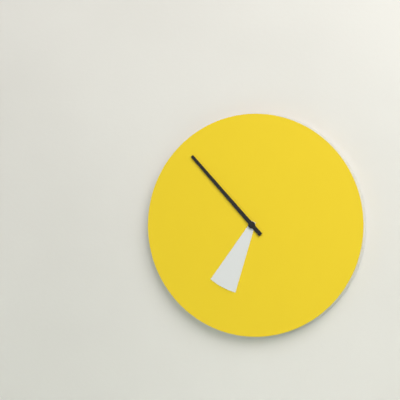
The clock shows 6:53
